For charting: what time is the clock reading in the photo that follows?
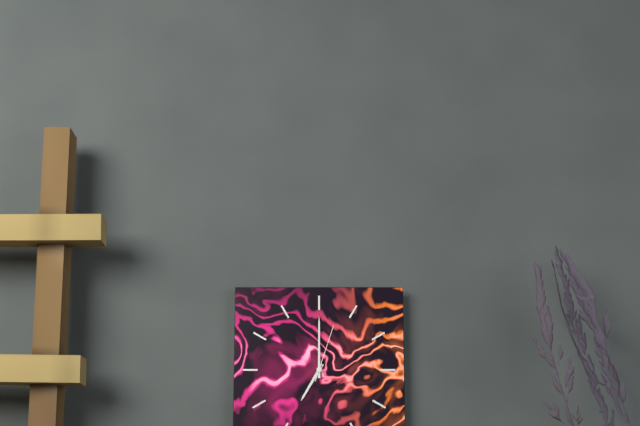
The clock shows 7:00:03
